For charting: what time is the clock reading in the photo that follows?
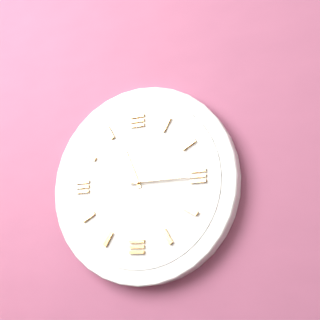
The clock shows 11:15
